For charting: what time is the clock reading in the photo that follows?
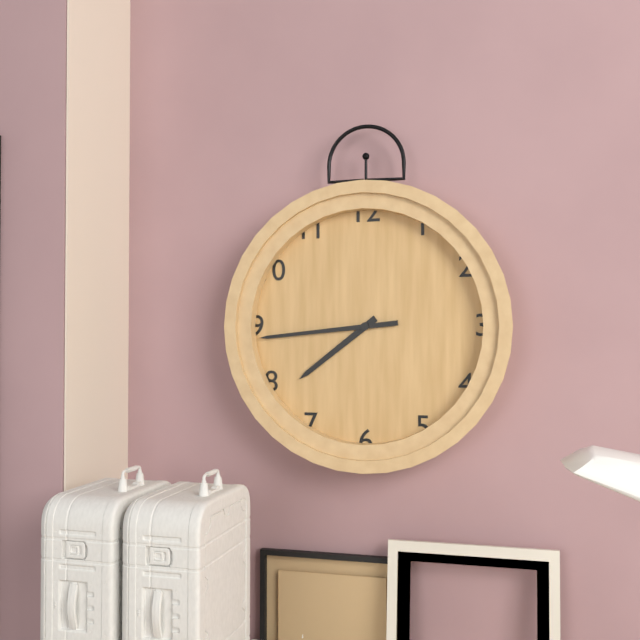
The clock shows 7:44
